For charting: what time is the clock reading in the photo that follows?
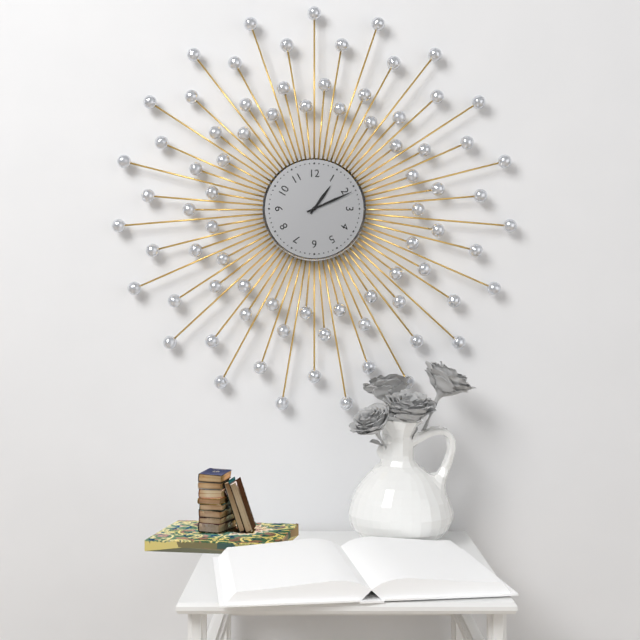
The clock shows 1:11
